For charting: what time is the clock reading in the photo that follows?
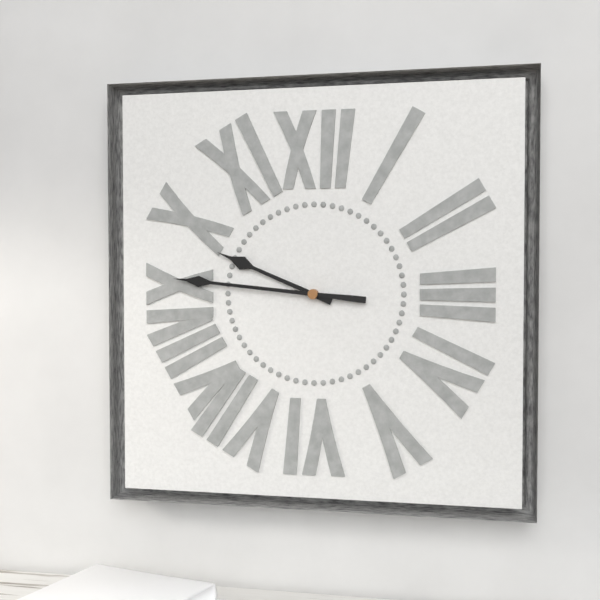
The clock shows 9:46
